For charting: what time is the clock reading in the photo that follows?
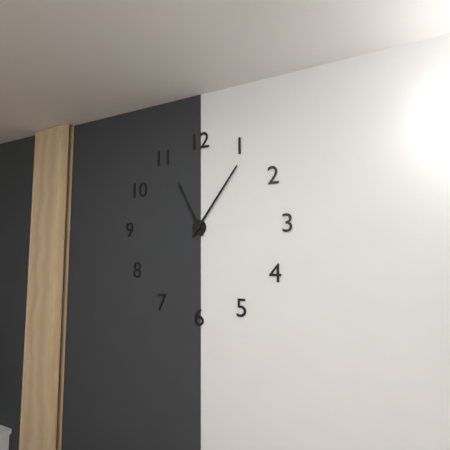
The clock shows 11:06
